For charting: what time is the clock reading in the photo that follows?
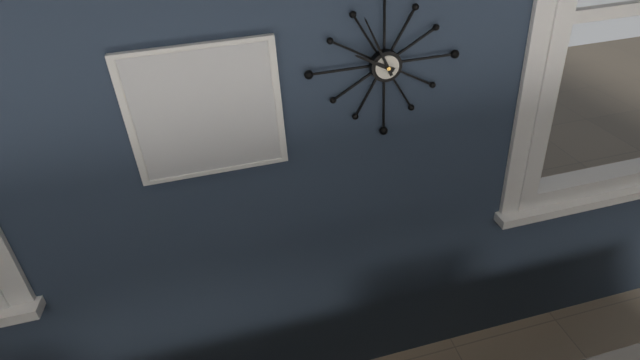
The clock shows 9:56
